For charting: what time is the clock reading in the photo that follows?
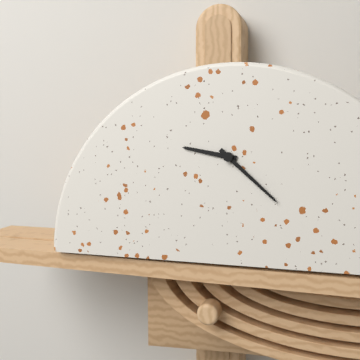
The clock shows 9:22
